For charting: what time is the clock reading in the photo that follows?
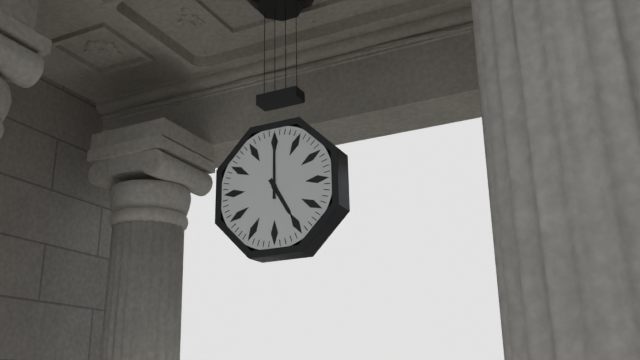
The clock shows 5:00
